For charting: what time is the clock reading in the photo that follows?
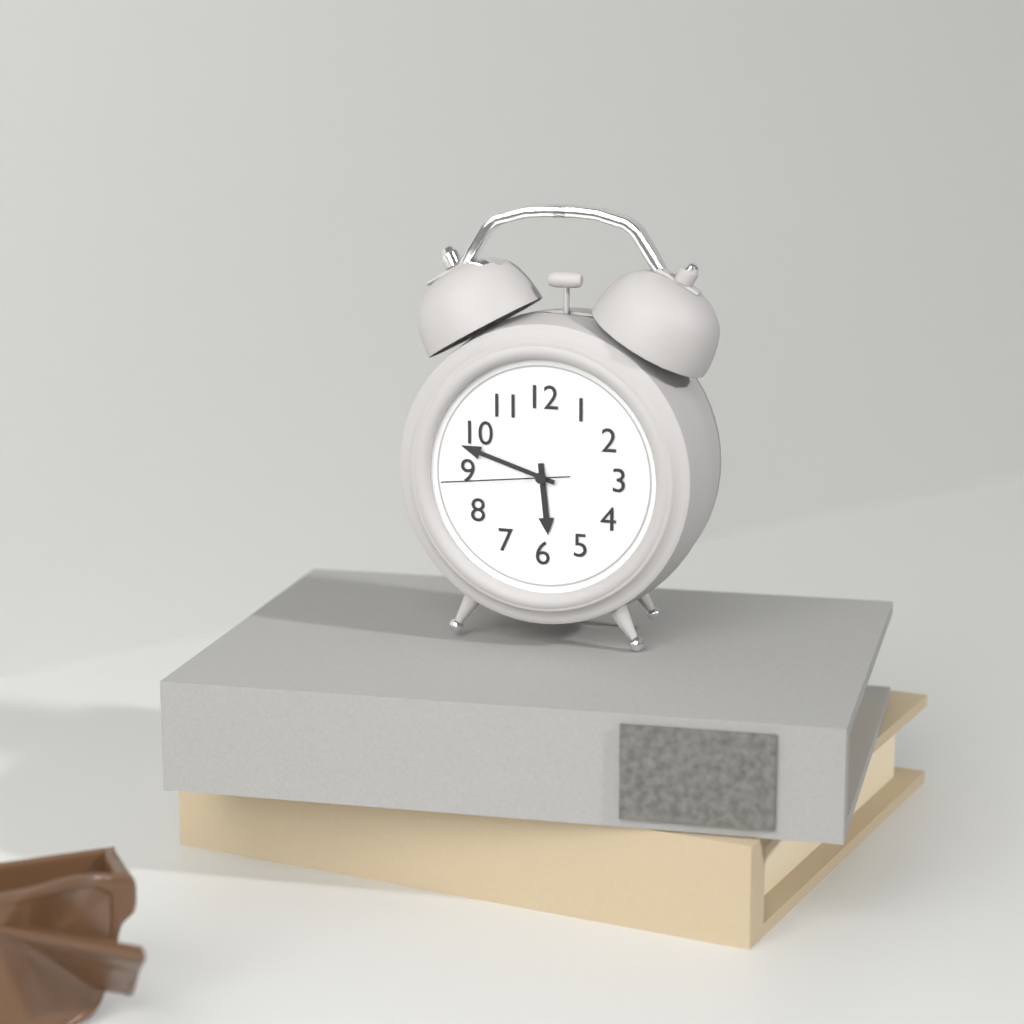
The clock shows 5:48:44
